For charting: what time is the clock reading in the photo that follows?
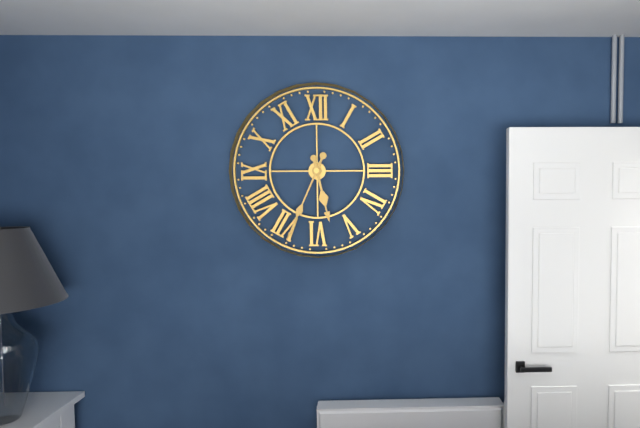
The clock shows 5:34
